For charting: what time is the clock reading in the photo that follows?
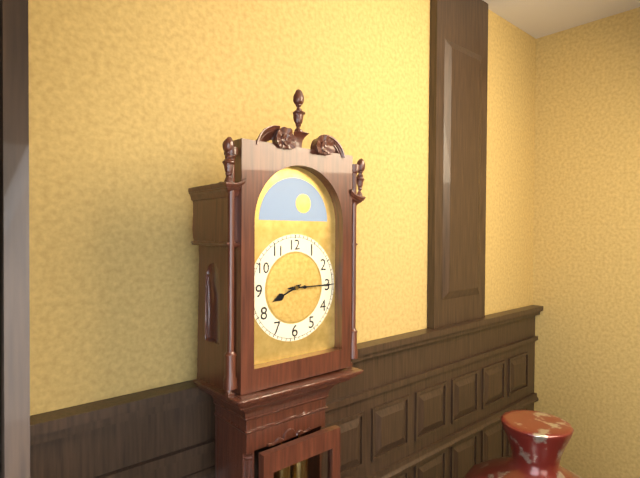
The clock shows 8:15
